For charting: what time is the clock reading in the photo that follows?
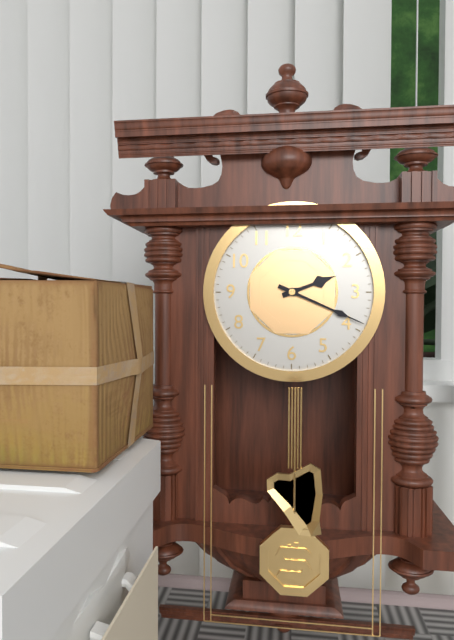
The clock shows 2:19
